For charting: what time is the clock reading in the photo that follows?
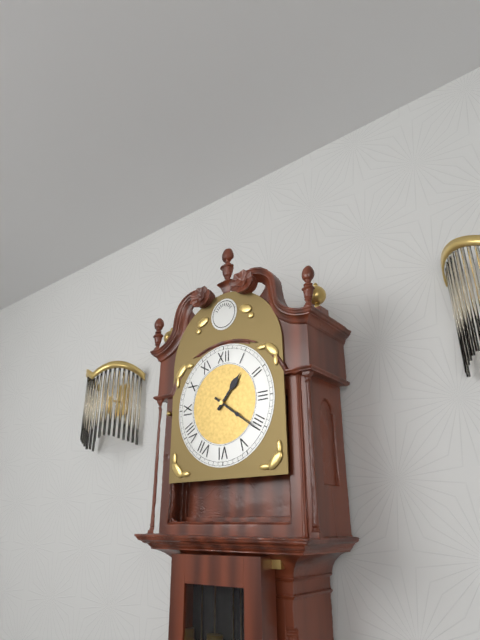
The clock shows 1:21
